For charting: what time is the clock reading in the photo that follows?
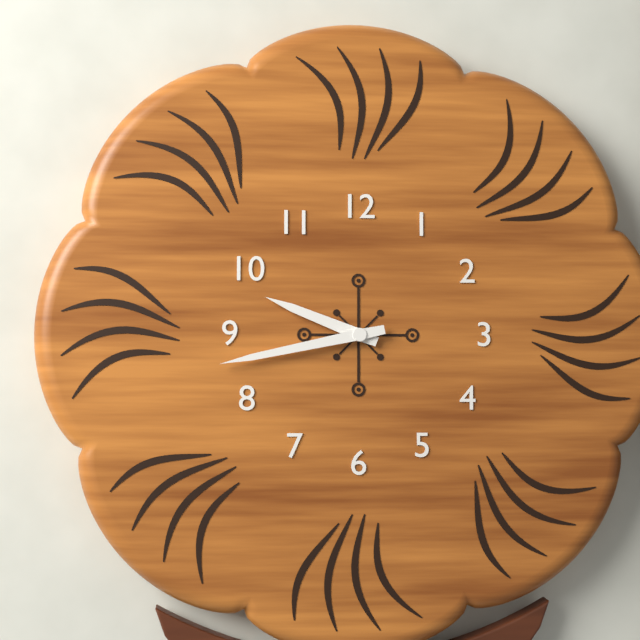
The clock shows 9:43
